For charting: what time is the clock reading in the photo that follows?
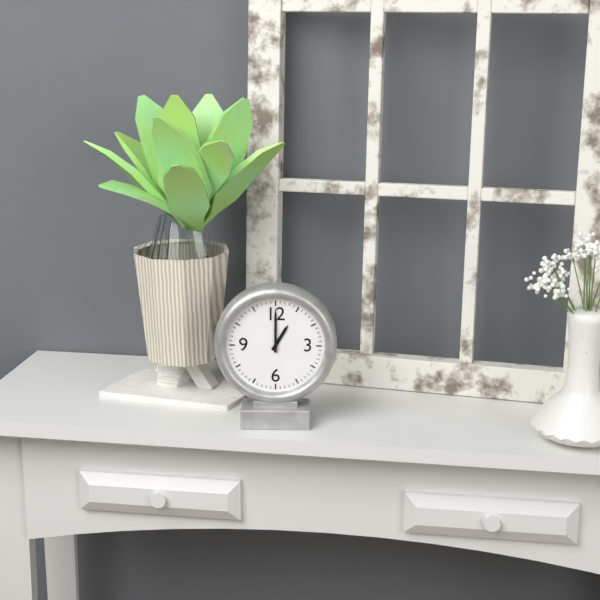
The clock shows 1:00
